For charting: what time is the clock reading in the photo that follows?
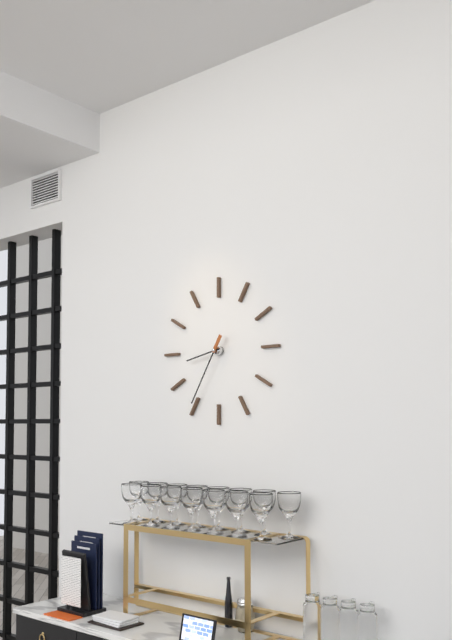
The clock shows 8:35
